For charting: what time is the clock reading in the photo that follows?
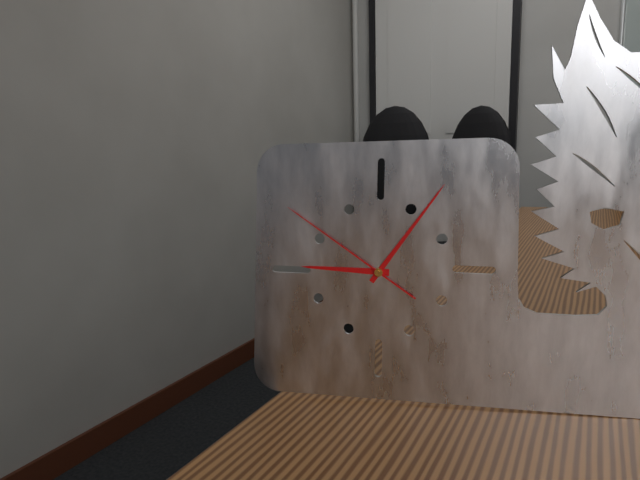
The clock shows 9:06:51
